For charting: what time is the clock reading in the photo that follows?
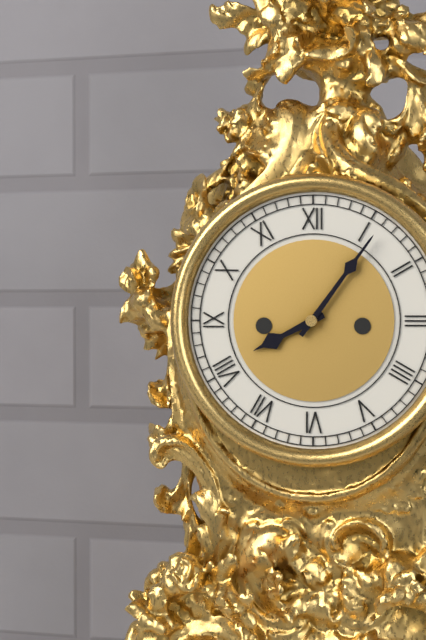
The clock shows 8:06
